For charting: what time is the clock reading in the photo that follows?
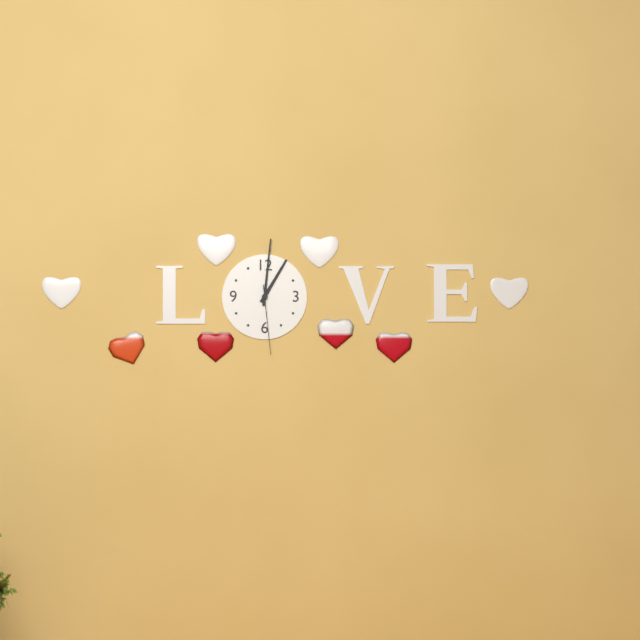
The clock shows 1:01:29
